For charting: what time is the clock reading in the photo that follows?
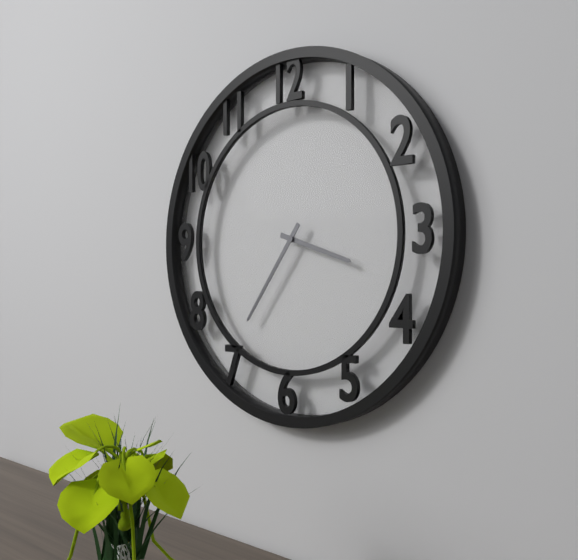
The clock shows 3:36
